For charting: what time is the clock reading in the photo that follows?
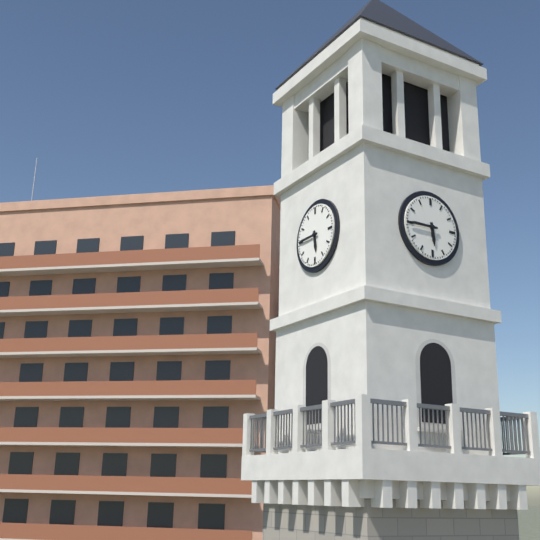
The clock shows 5:45
